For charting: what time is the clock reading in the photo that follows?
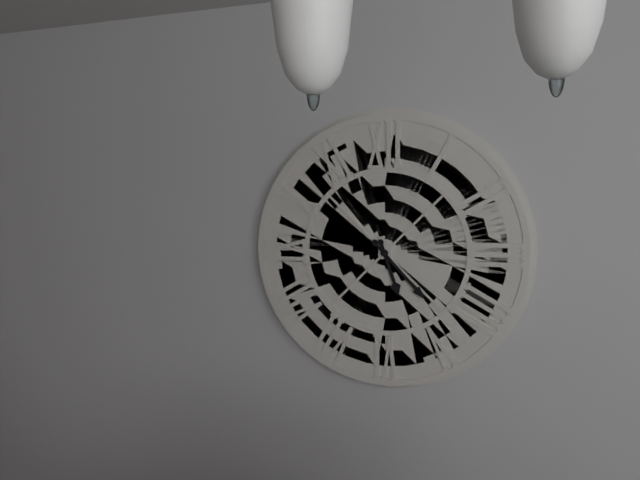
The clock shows 5:23
